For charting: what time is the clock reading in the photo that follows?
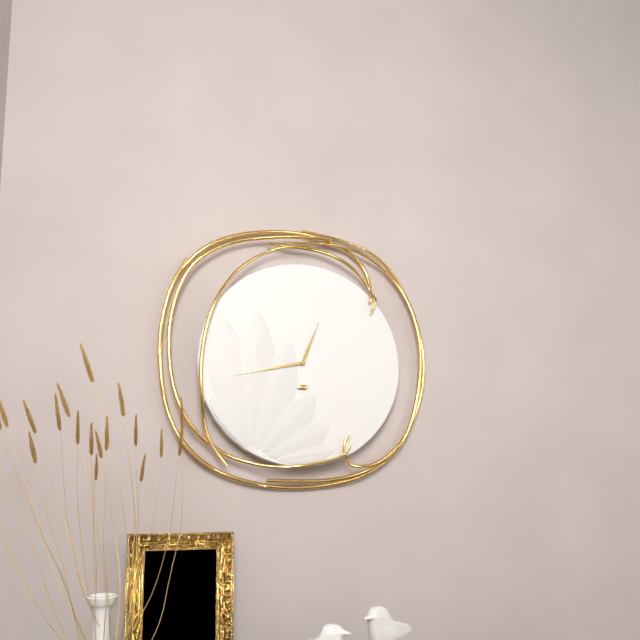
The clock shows 12:43
